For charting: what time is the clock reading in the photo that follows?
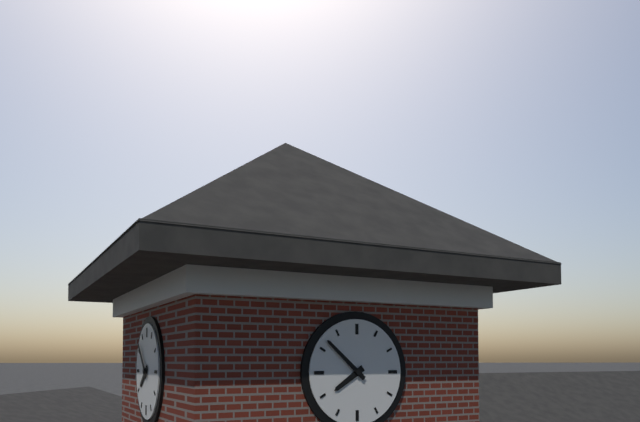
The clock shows 7:52
